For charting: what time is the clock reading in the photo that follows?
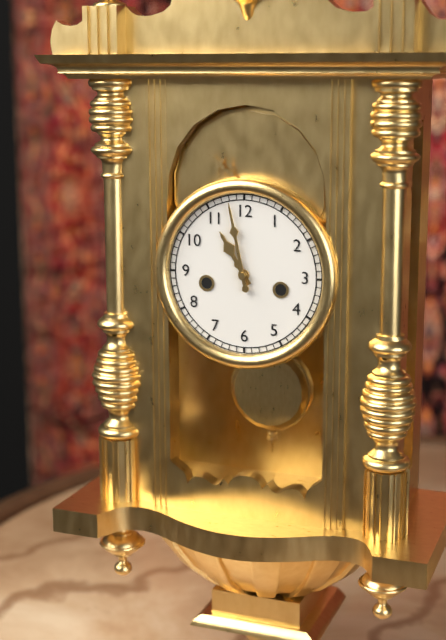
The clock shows 10:58
